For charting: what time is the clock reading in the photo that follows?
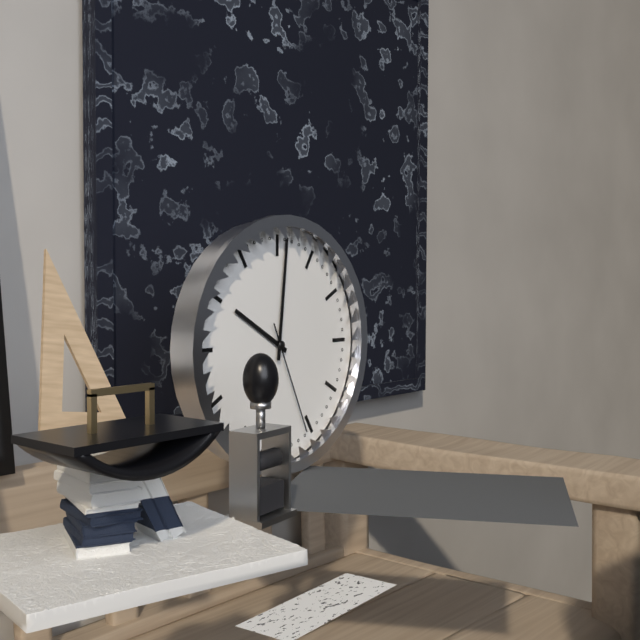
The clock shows 10:01:26
